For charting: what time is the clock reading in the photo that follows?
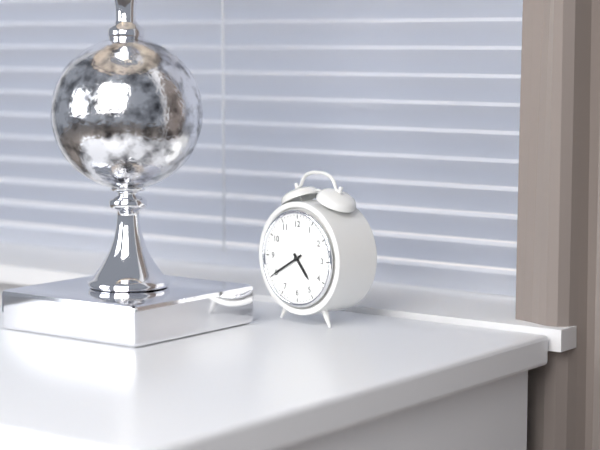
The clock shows 4:40
